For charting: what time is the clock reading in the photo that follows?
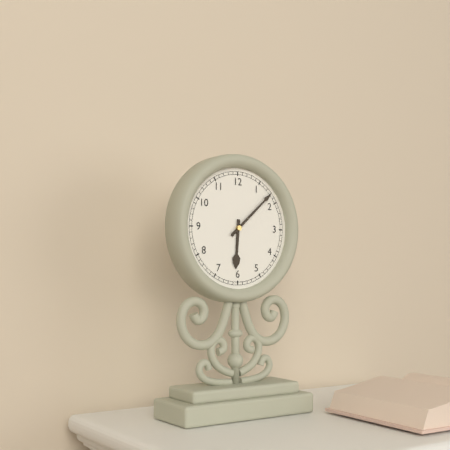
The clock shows 6:08
